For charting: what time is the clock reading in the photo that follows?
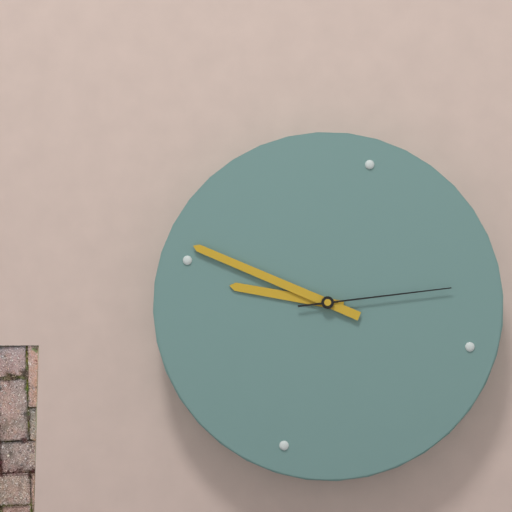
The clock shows 8:46:11
